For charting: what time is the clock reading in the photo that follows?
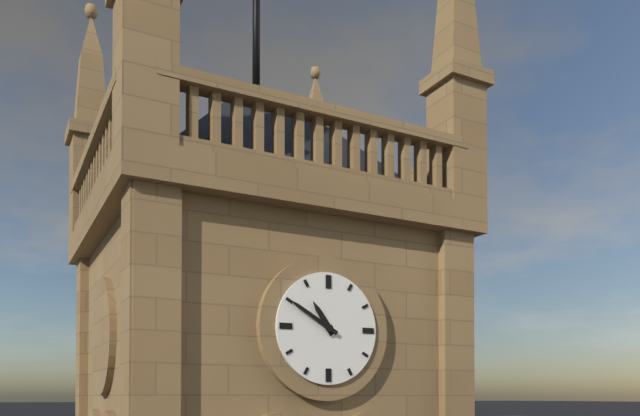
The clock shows 10:50
